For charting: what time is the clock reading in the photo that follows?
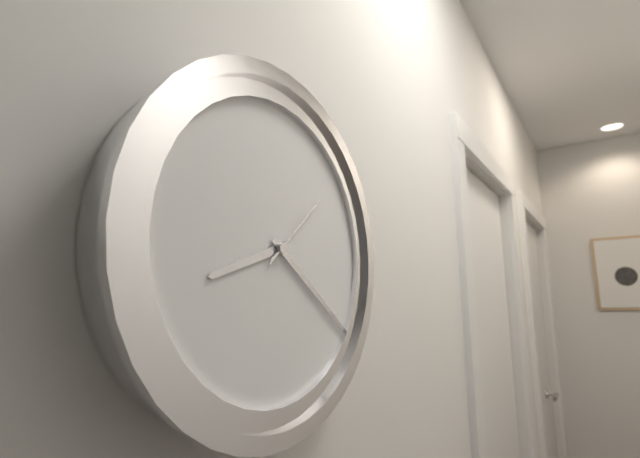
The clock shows 8:21:08
